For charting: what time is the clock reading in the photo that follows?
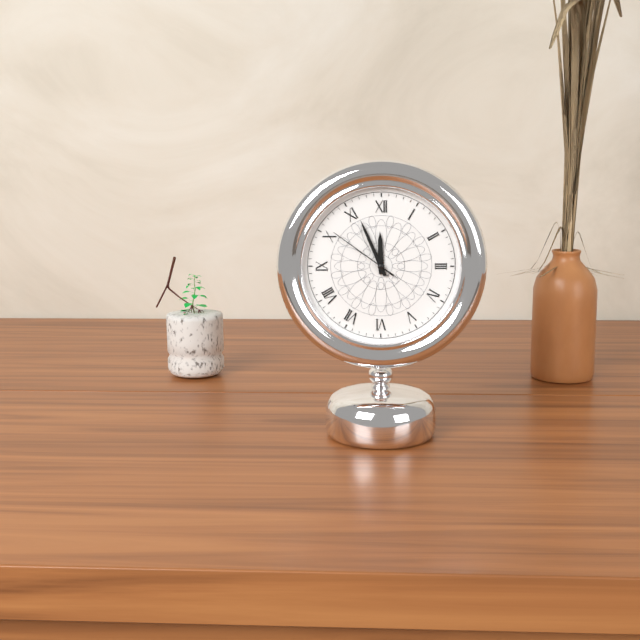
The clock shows 11:56:51
